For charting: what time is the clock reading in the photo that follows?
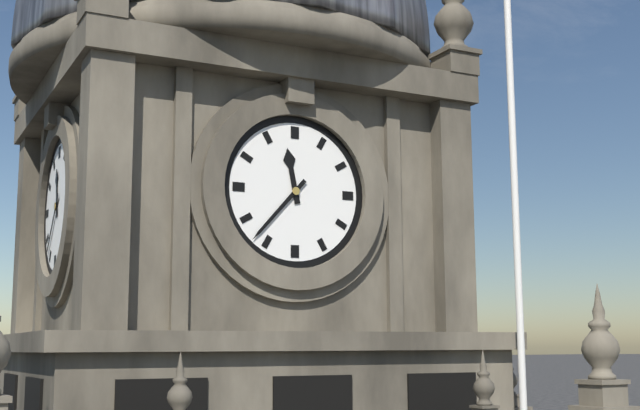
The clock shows 11:37
